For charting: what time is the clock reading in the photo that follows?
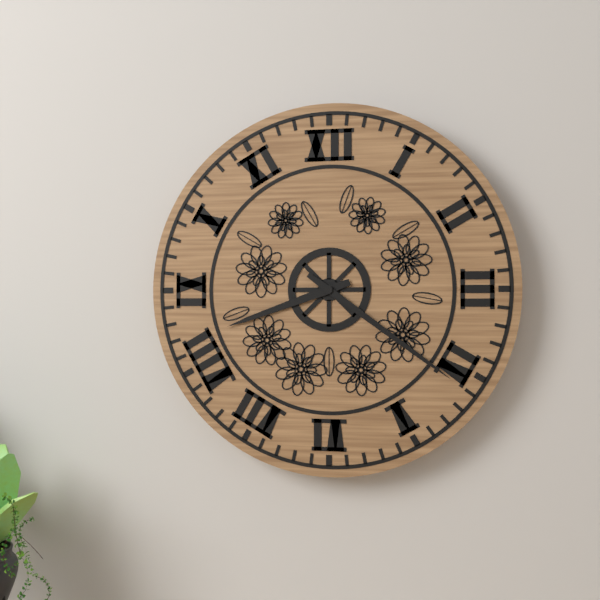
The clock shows 8:21
